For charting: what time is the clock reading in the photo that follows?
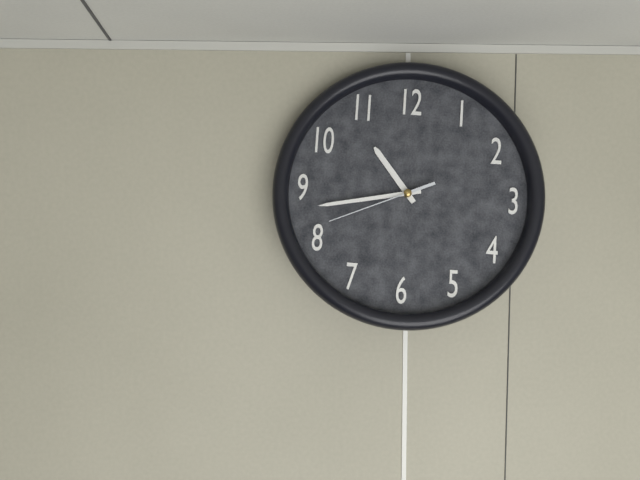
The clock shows 10:43:41
